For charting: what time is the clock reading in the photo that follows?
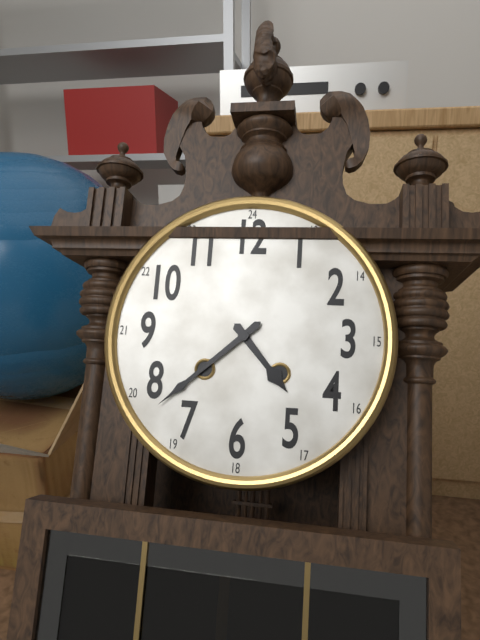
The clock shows 4:38
